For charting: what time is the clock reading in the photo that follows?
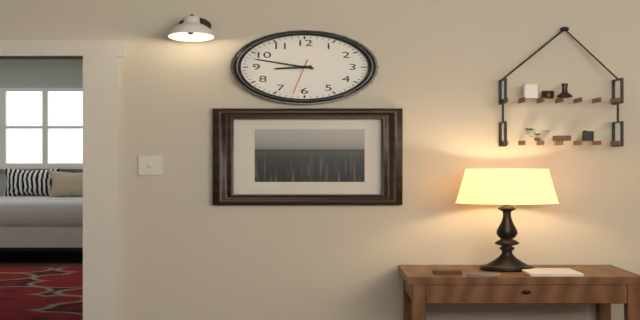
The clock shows 8:48
